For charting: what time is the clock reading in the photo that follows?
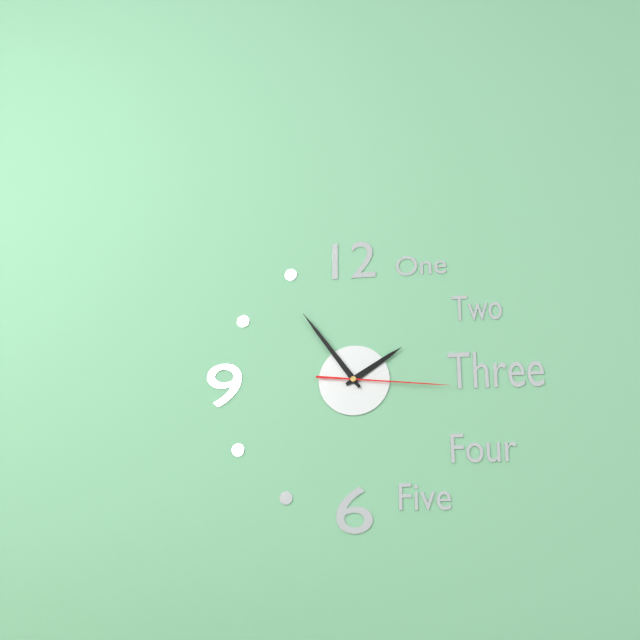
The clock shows 1:54:16
